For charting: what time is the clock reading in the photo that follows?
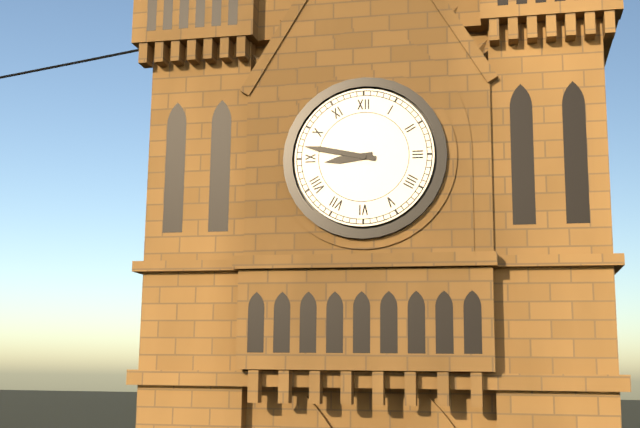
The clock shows 8:47
